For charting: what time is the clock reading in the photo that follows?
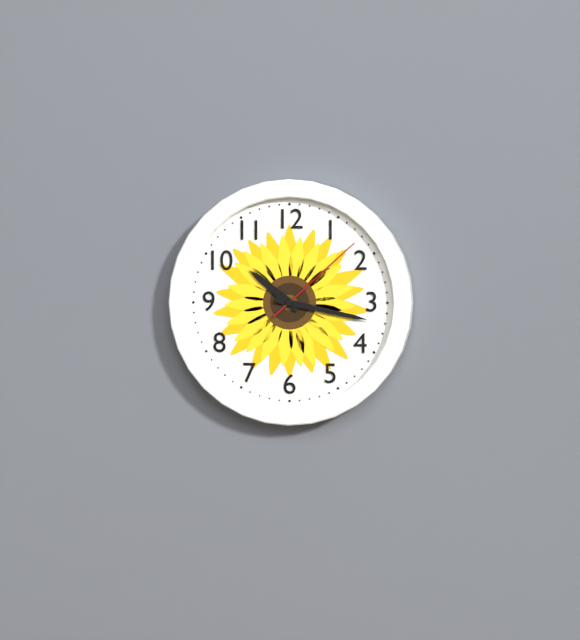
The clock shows 10:17:08
